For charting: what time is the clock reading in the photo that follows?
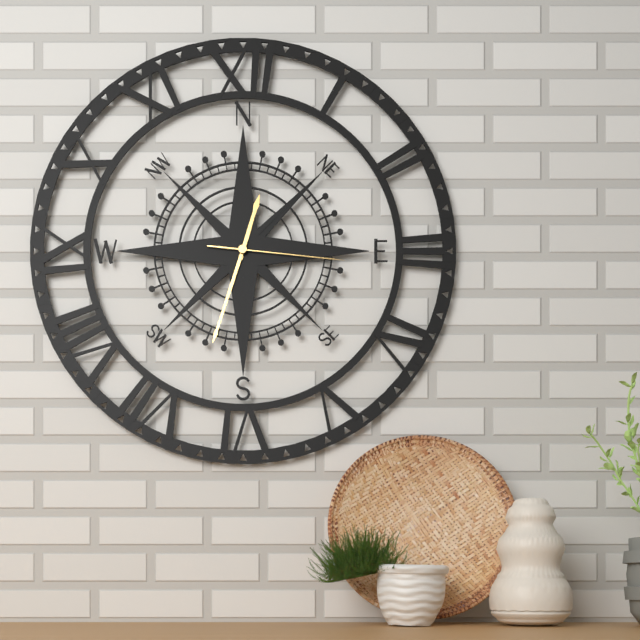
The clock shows 12:33:16
